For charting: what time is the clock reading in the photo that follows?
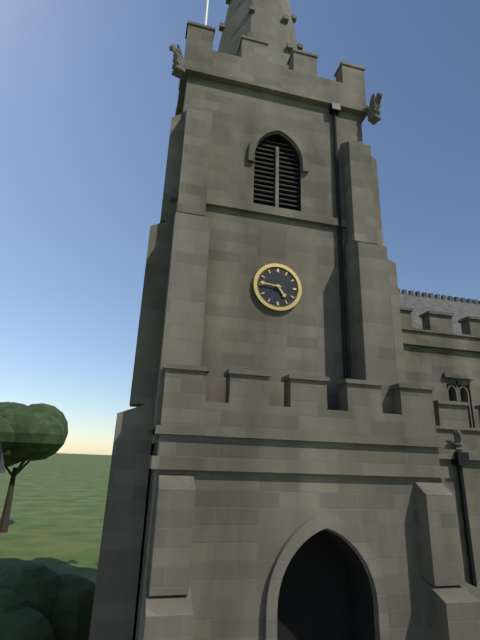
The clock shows 4:46
